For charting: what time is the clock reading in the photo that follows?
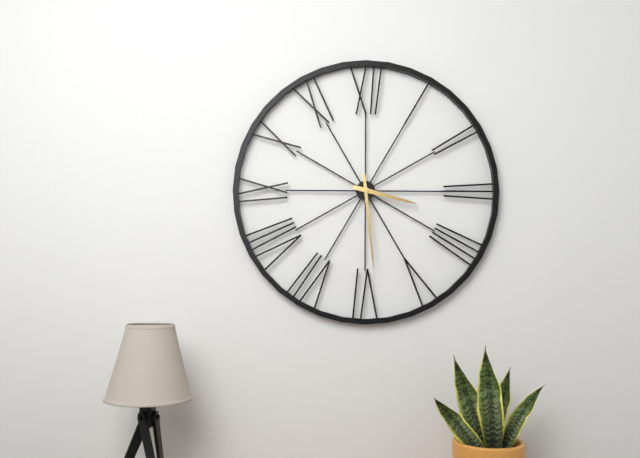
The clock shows 3:29
